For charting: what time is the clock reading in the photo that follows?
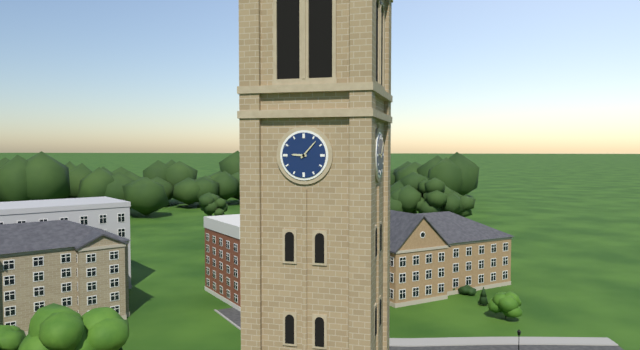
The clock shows 9:07
